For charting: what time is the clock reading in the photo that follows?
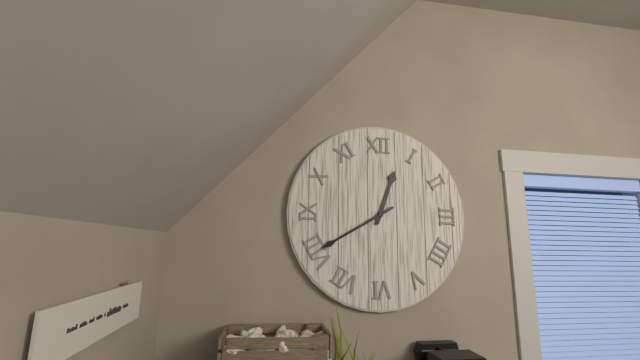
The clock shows 12:40
